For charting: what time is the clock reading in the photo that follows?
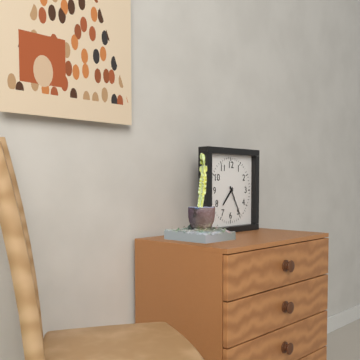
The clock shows 7:25
